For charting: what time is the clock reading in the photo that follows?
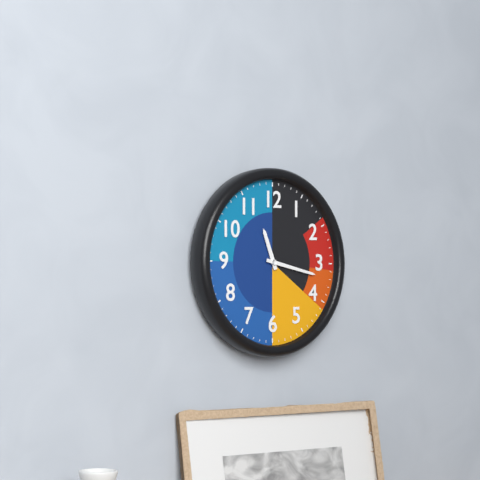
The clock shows 11:17
